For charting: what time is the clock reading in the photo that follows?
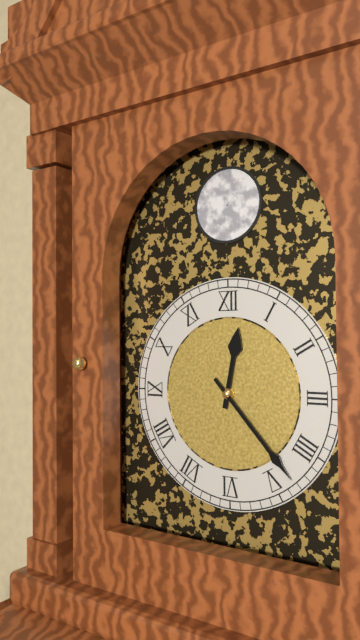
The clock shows 12:23
